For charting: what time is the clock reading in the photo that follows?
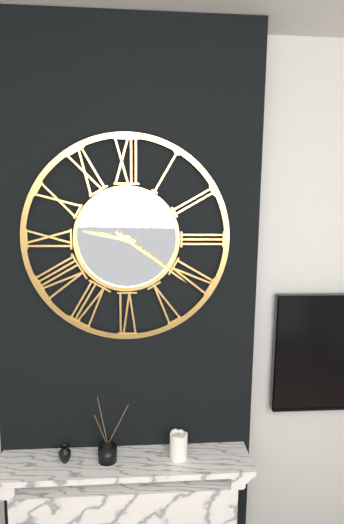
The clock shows 9:21
